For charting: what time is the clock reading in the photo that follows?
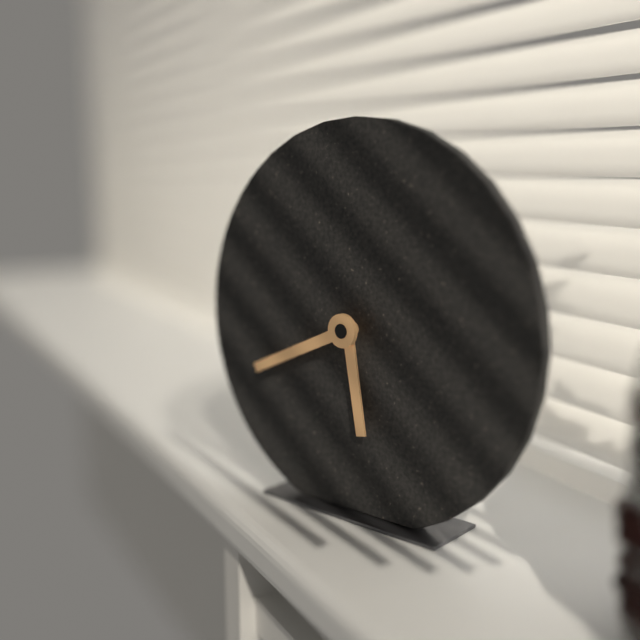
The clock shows 5:41
